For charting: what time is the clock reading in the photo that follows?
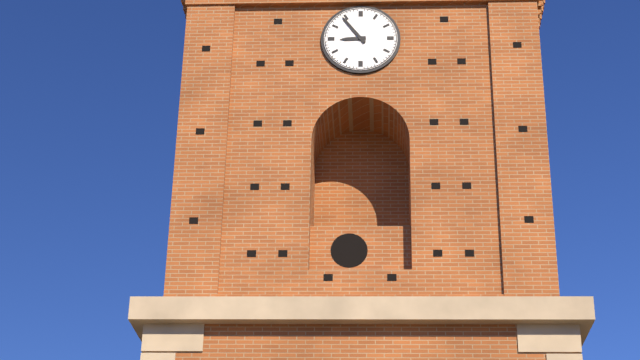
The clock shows 8:54
